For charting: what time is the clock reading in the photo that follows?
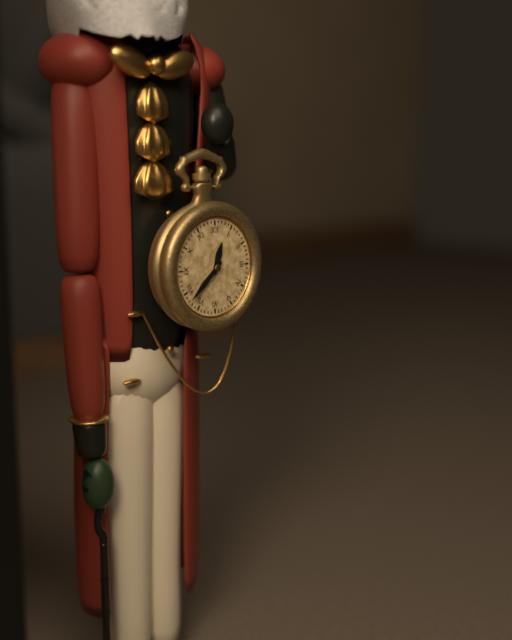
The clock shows 12:38
